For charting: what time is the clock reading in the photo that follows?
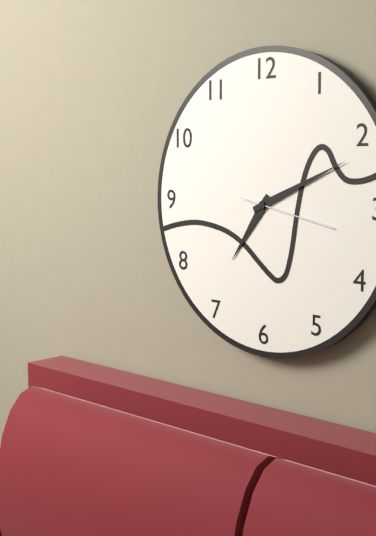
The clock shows 7:11:17
